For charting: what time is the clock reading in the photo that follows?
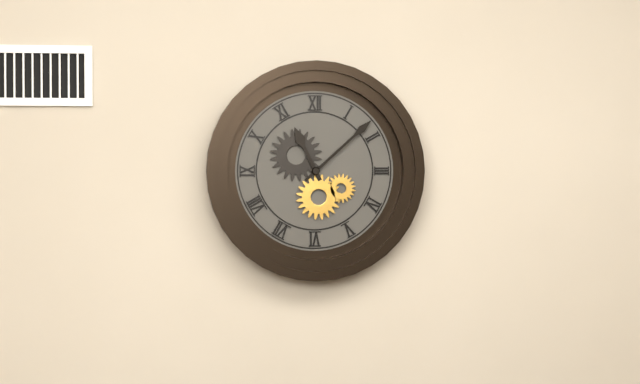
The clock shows 11:08
